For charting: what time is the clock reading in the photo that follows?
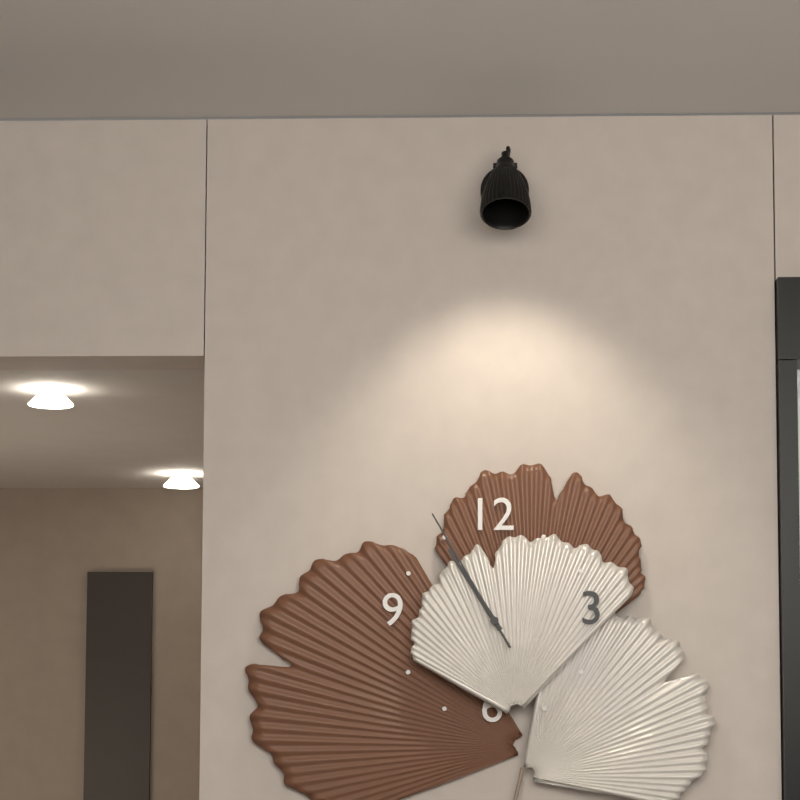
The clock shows 10:55
